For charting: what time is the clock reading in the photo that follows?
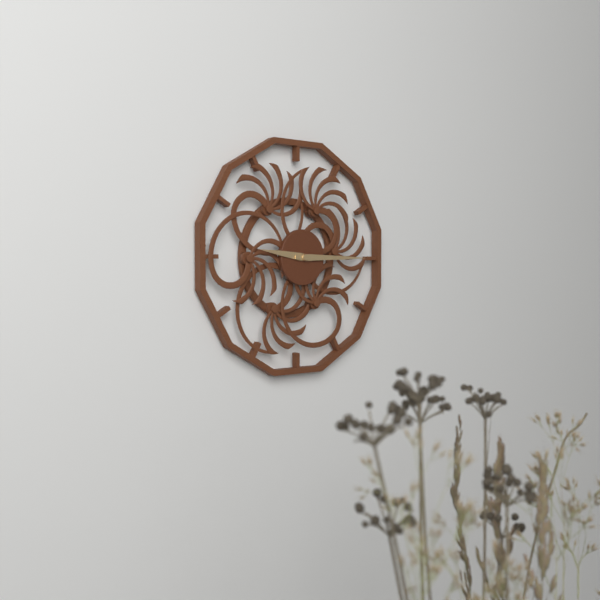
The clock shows 9:15
